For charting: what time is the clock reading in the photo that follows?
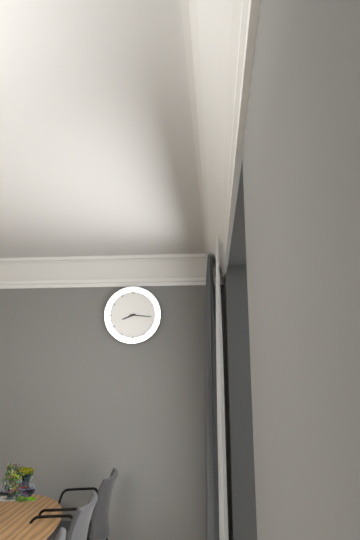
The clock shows 8:16
